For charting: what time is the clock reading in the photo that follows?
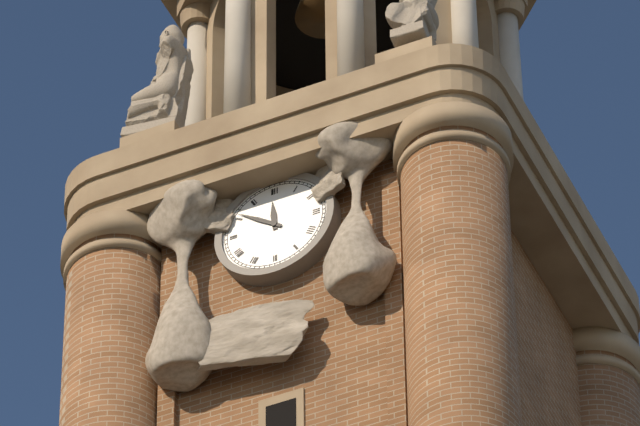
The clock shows 11:51
